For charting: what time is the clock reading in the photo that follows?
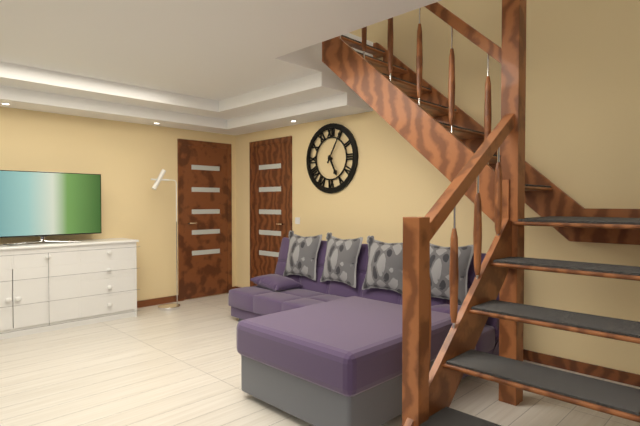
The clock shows 5:05
